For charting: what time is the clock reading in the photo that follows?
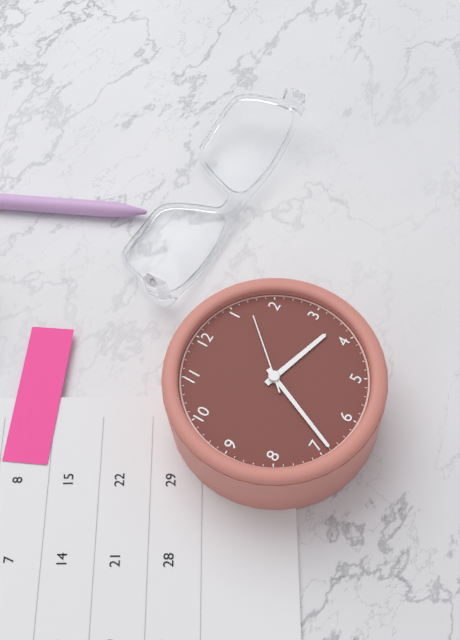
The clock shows 3:34:07
